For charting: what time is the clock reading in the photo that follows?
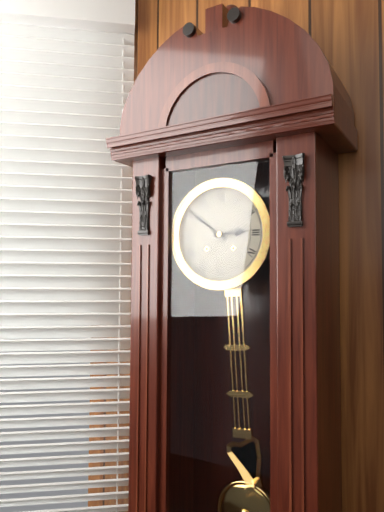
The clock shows 2:51
